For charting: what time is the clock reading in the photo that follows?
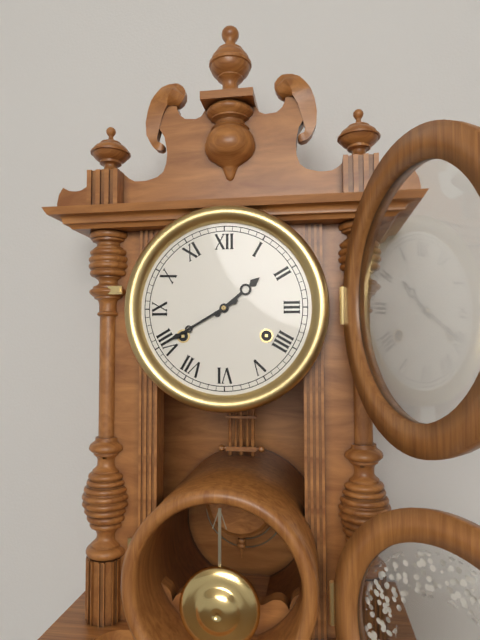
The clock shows 1:40
